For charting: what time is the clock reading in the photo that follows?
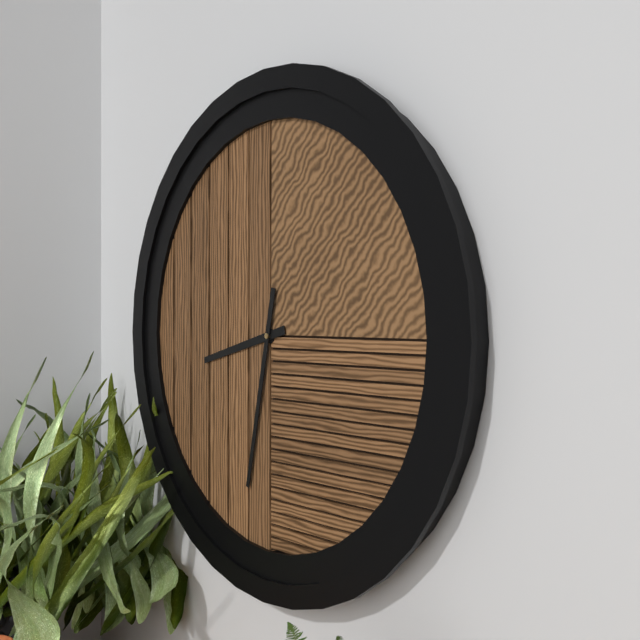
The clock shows 8:32
